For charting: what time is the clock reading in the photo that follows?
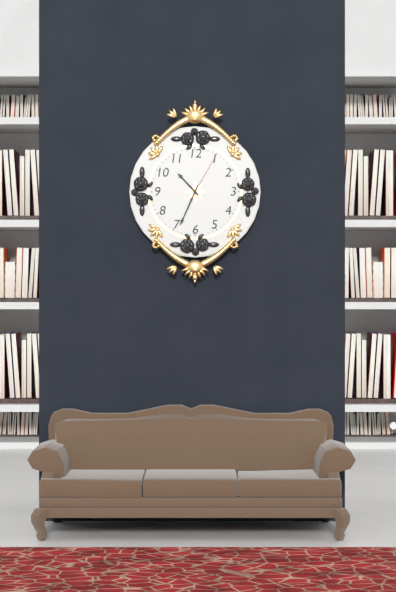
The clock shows 10:34:05
